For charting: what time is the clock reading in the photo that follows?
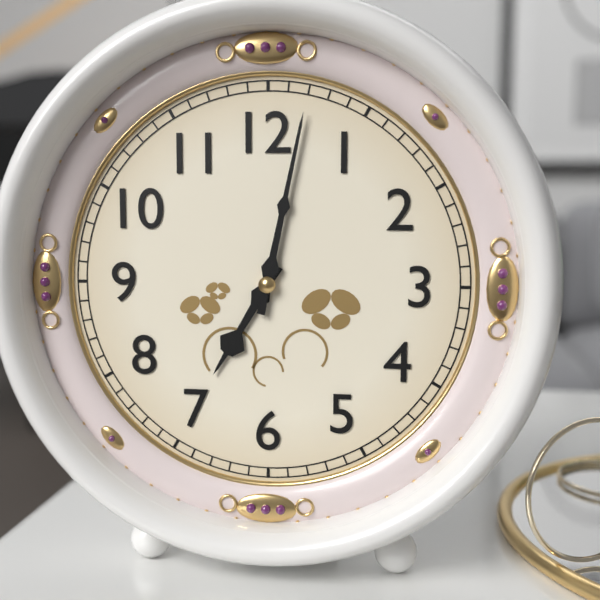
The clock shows 7:02
